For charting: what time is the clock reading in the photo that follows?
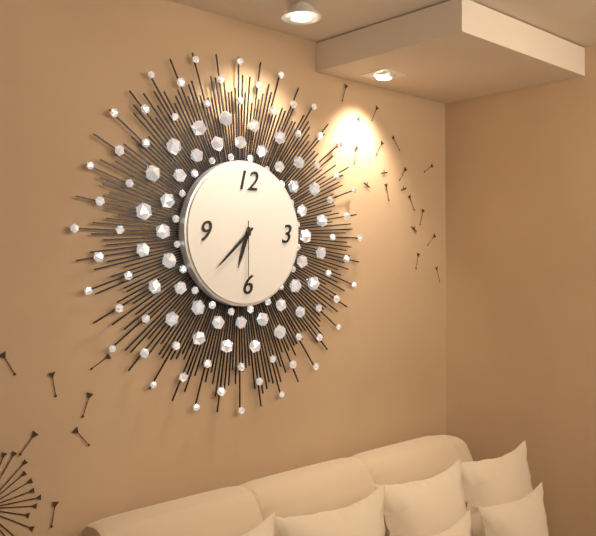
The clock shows 6:38:30
